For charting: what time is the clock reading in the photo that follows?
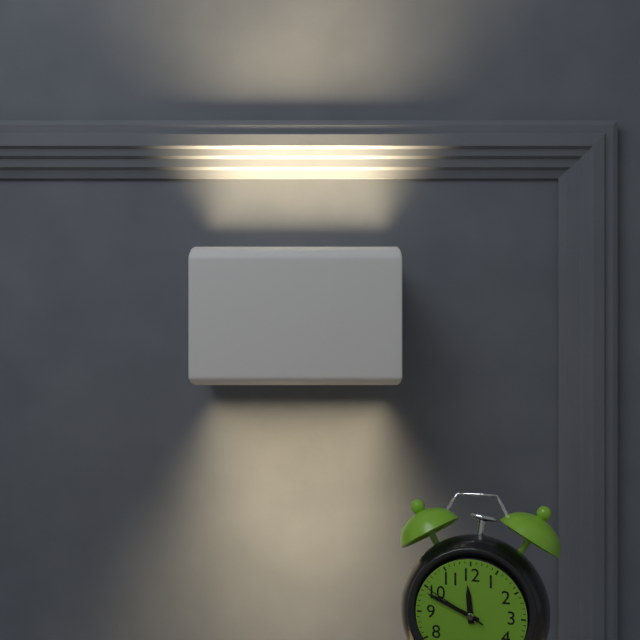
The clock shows 11:49:50
